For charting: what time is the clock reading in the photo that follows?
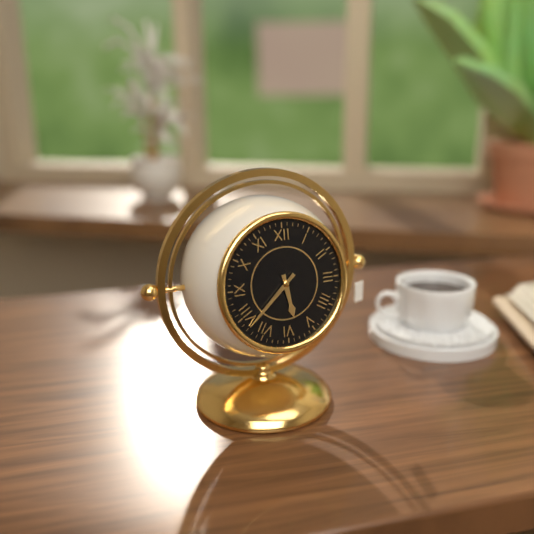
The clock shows 5:38
